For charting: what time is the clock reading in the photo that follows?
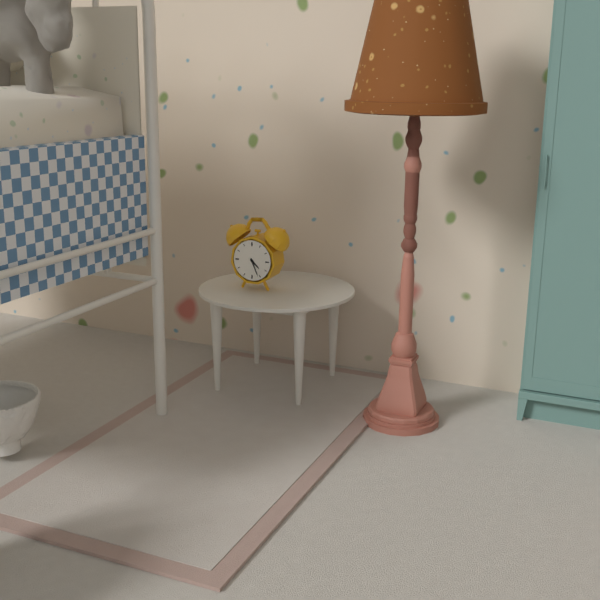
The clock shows 4:26
